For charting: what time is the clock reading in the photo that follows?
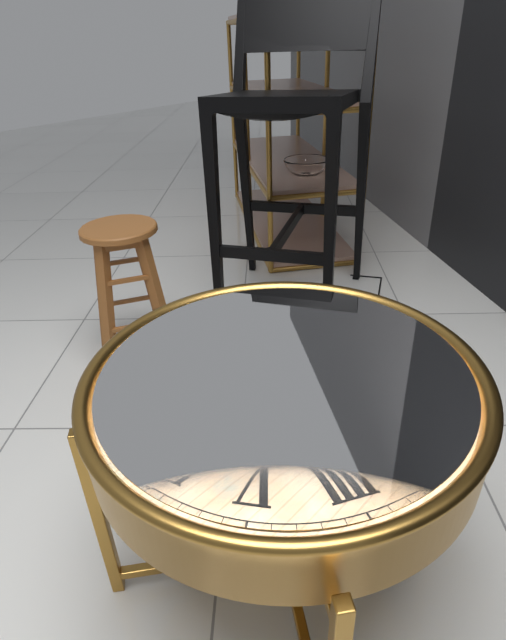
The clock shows 8:53
